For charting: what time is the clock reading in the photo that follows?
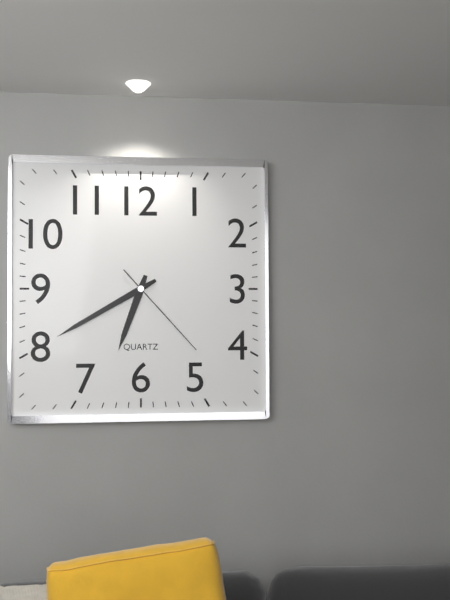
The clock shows 6:40:23
